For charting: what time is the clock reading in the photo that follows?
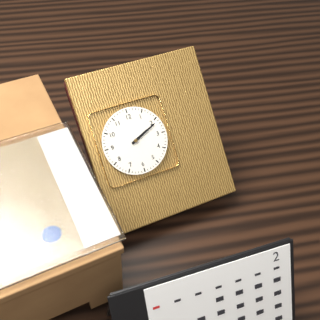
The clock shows 2:11
